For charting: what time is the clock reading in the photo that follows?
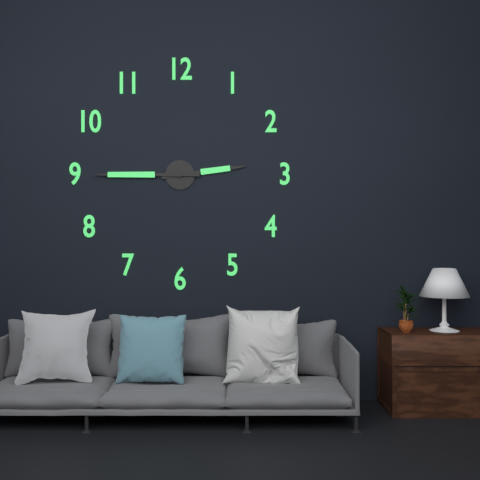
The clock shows 2:45
